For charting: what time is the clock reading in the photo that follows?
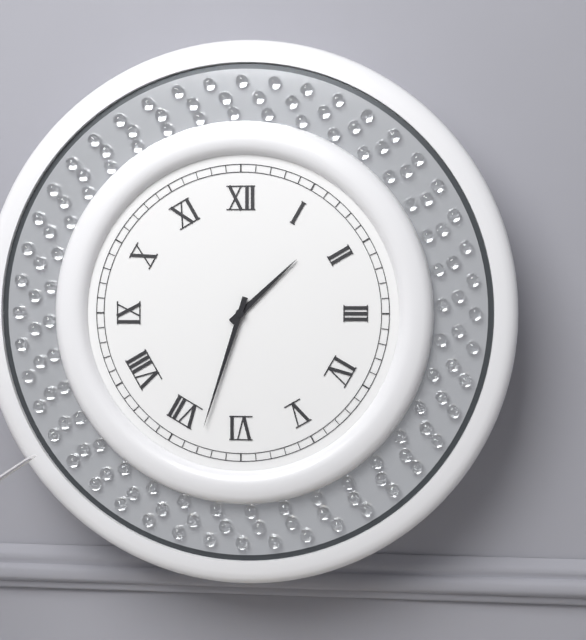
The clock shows 1:33
